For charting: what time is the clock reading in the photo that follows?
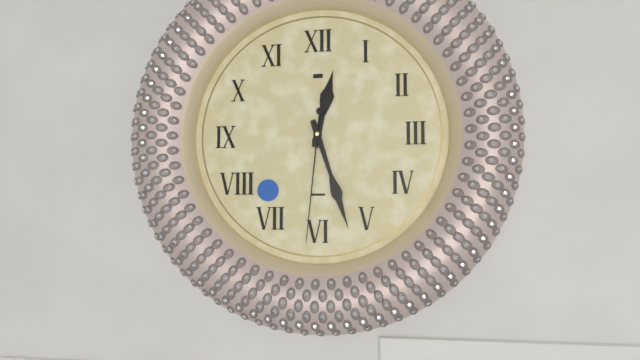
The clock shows 12:27:31
